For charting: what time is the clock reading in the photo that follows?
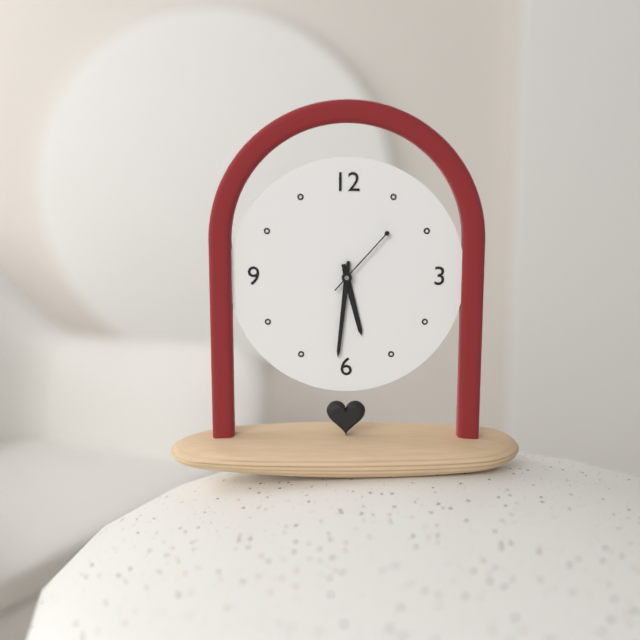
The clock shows 5:31:07
